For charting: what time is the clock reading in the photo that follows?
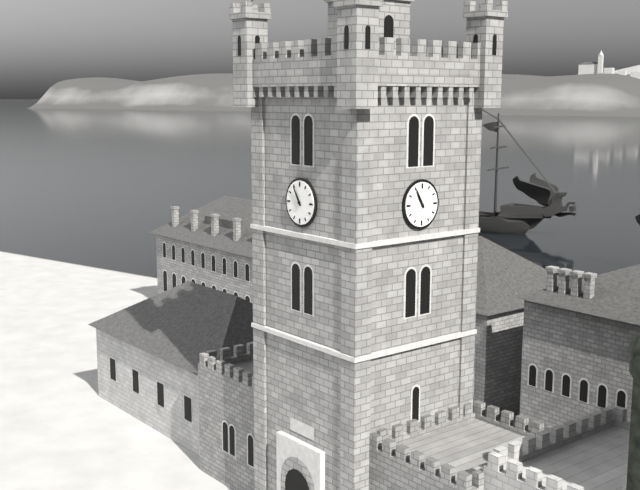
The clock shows 10:55
